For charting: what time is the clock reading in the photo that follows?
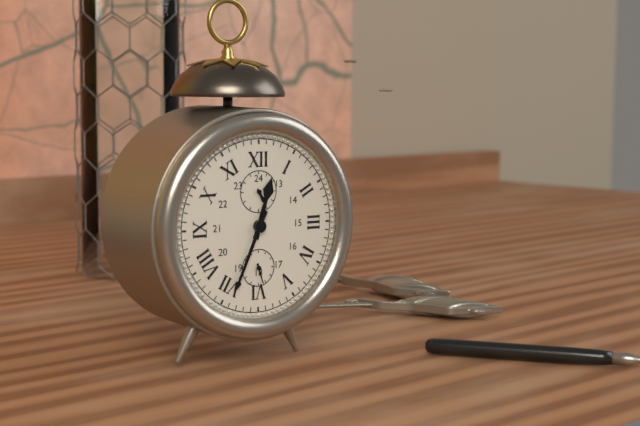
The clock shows 12:34:27
